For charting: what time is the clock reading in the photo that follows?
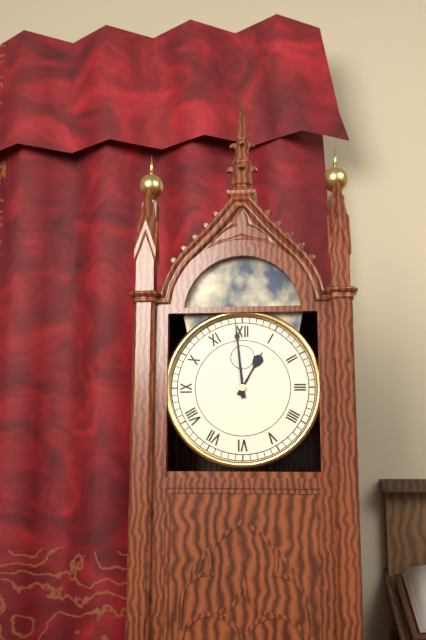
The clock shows 12:59
